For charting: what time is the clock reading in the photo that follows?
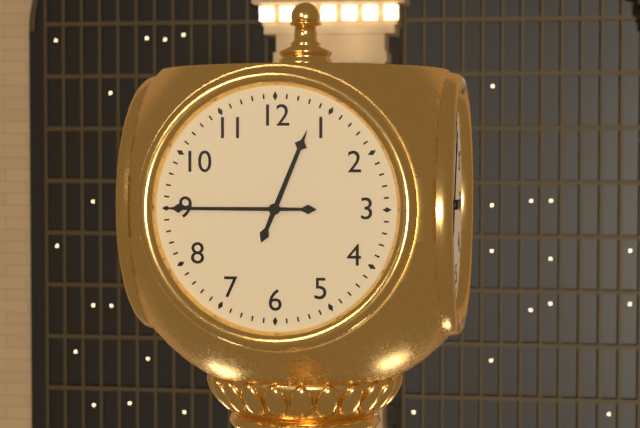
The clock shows 12:45
